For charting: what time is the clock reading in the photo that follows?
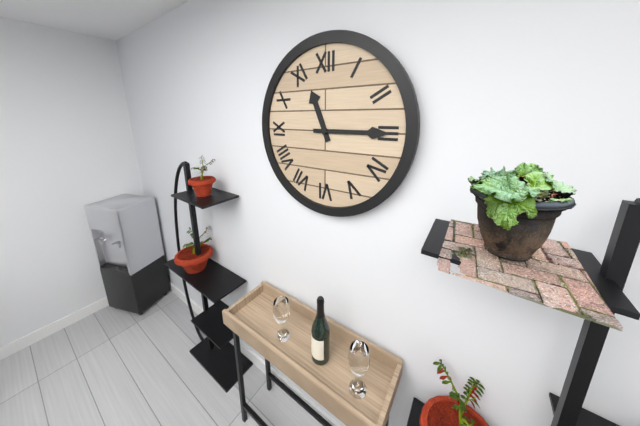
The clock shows 11:15
